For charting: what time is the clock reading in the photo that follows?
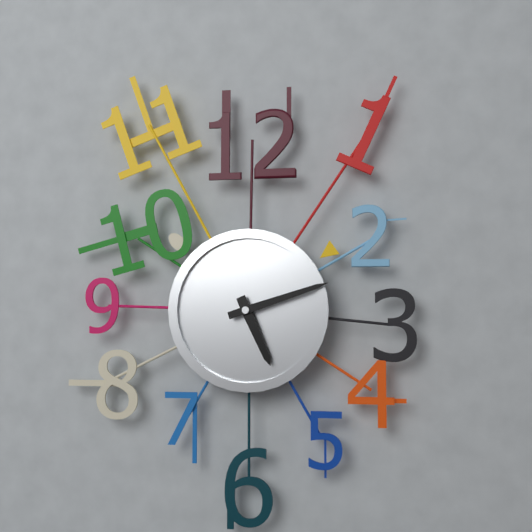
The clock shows 5:12
